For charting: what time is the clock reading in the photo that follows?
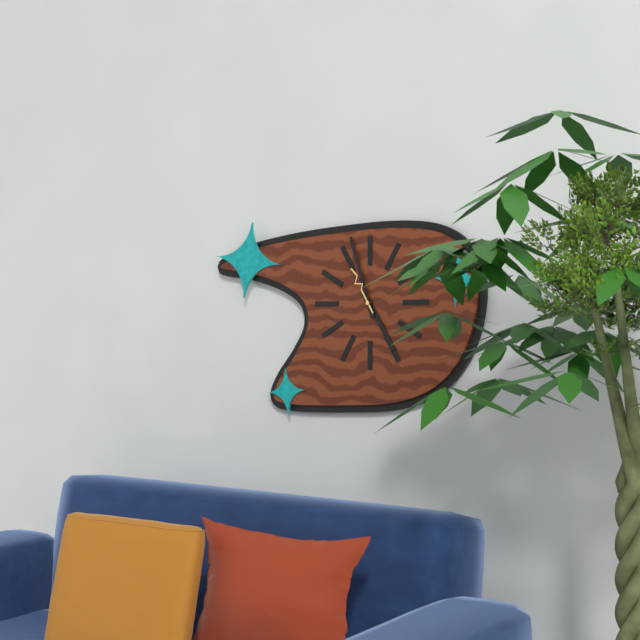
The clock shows 4:57:55
